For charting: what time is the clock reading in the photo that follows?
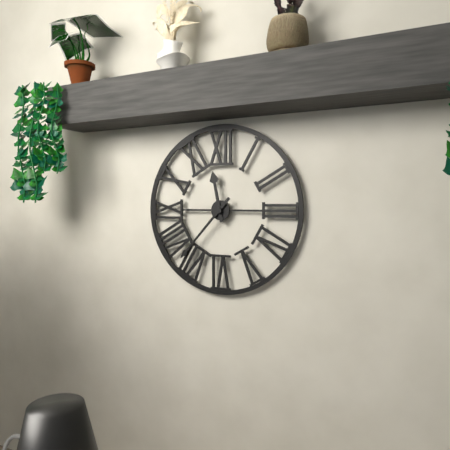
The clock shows 11:37
